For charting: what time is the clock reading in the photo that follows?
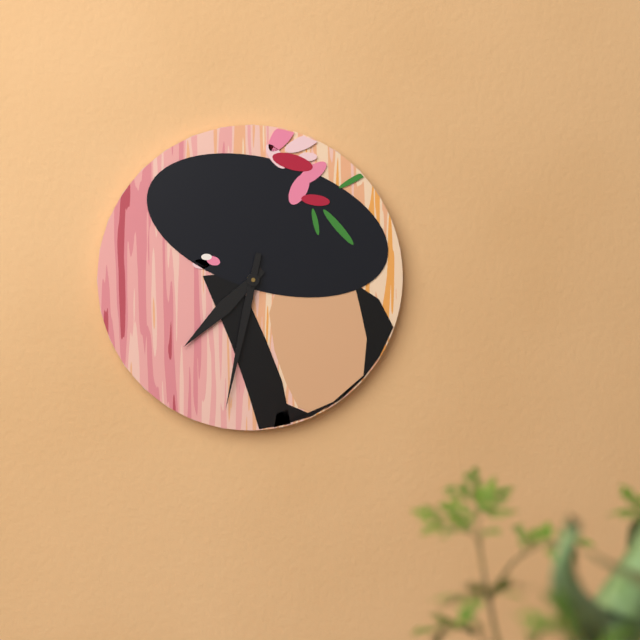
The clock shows 7:32
